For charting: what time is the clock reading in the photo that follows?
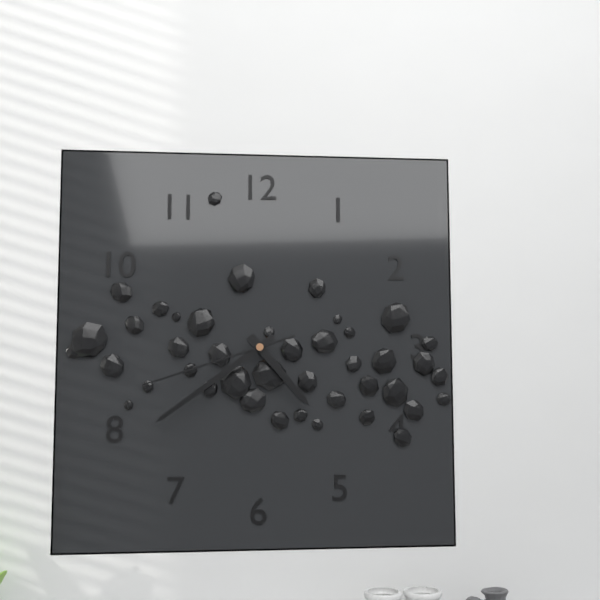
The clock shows 4:39:42
